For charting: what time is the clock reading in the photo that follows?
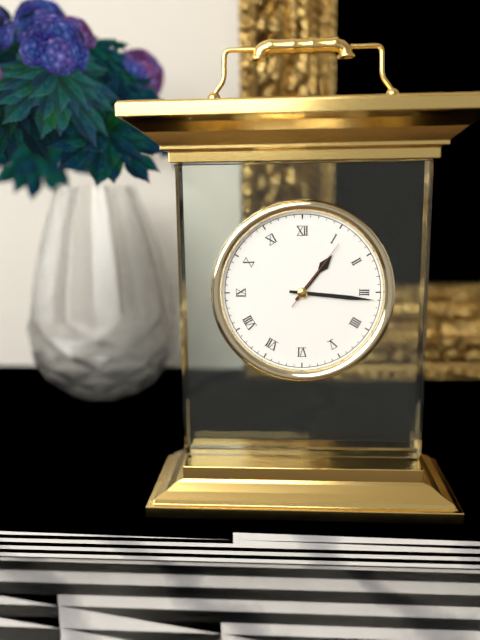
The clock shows 1:16:06
